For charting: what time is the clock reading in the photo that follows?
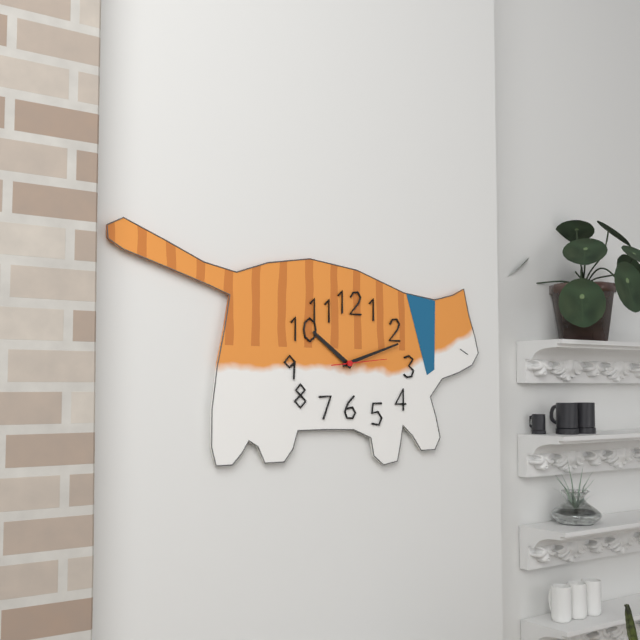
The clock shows 10:12
